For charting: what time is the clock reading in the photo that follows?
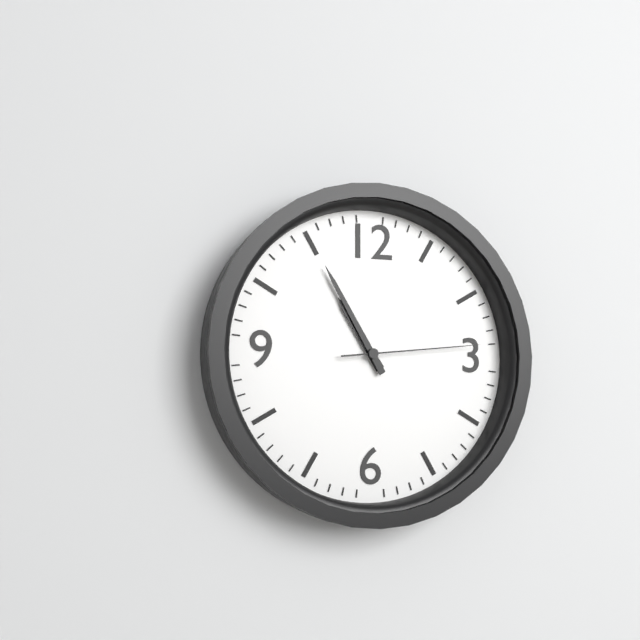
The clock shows 10:55:14
